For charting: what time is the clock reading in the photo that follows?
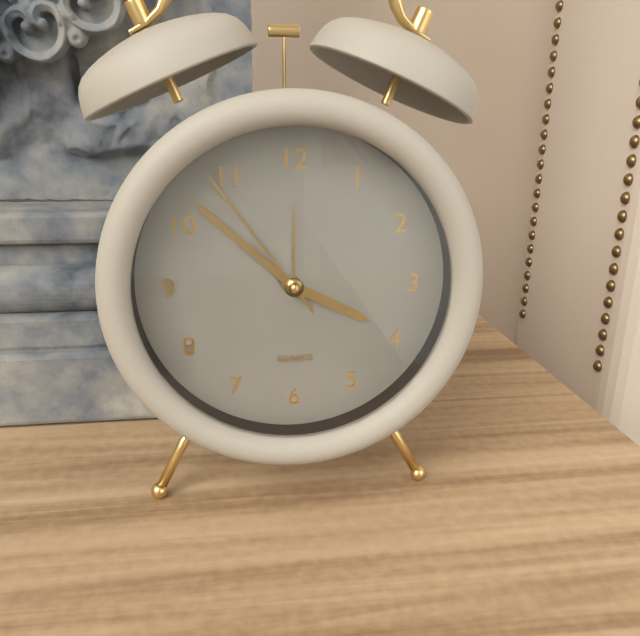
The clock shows 3:52:54
